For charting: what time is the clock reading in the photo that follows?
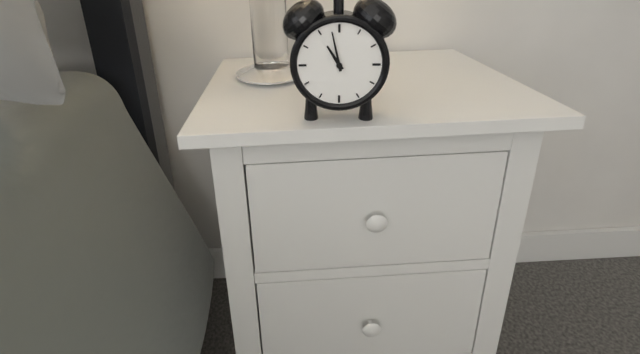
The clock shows 10:58
